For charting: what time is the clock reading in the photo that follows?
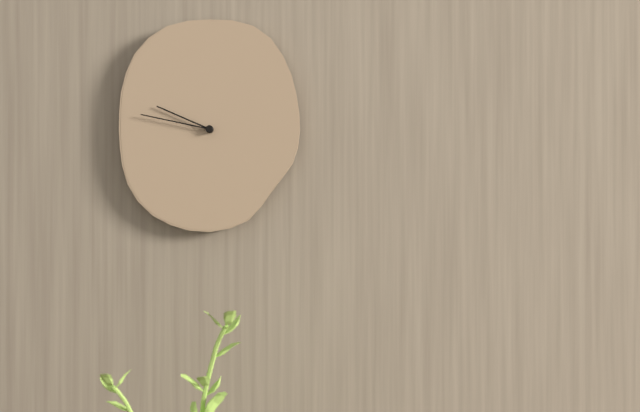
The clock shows 9:47
